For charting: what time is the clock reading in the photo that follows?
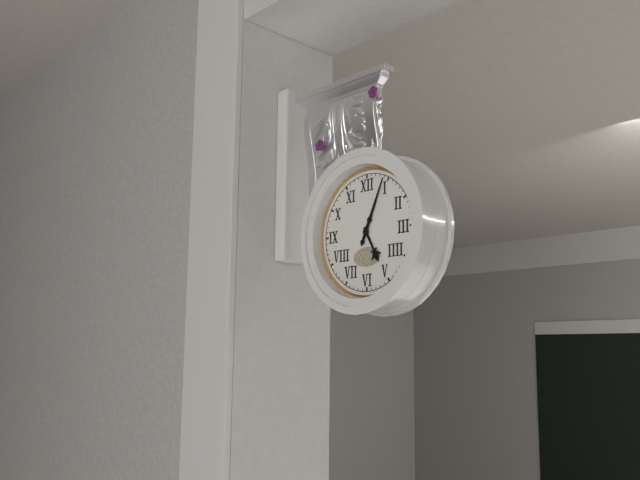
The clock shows 5:04
